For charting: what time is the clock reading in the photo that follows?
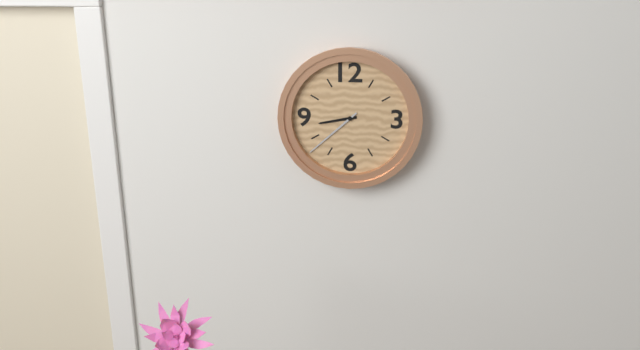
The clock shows 8:38
